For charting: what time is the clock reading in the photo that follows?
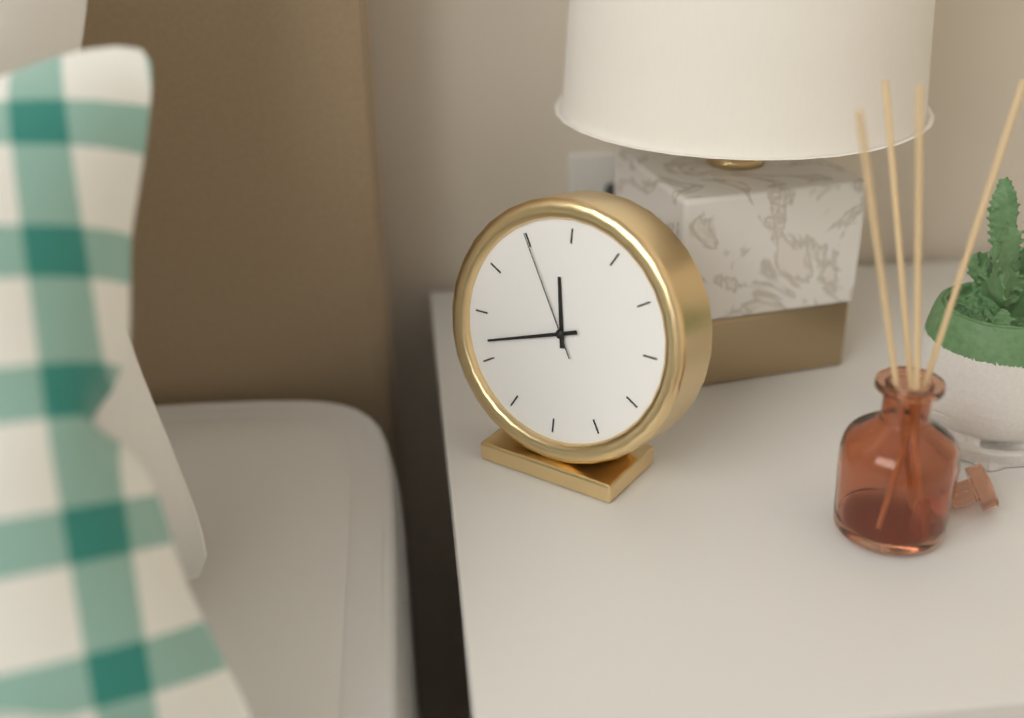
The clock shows 11:42:55
